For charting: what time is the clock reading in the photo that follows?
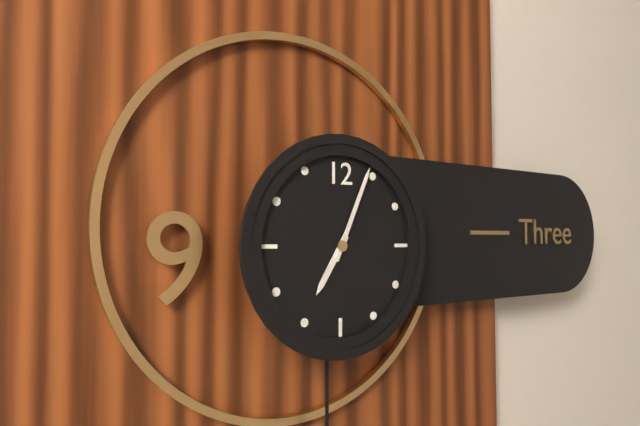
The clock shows 7:04
